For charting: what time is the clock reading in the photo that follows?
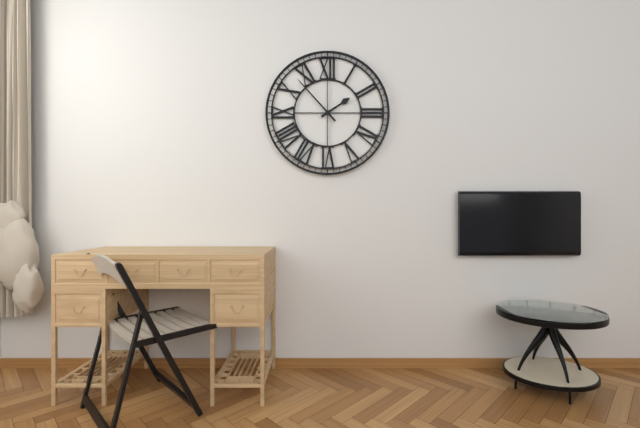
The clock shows 1:53
